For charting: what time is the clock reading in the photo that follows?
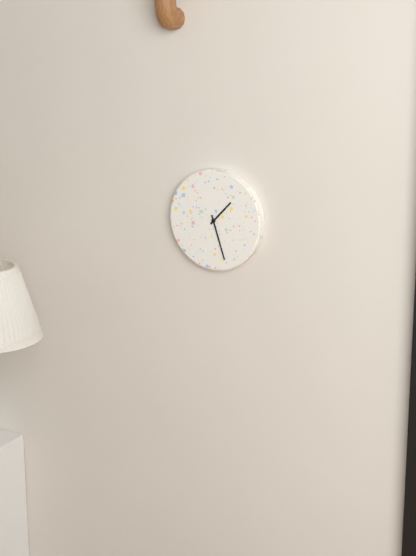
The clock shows 1:27
